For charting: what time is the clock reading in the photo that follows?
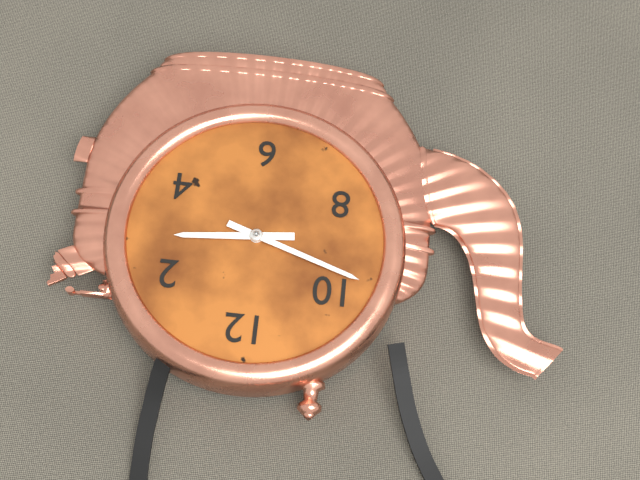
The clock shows 2:48
